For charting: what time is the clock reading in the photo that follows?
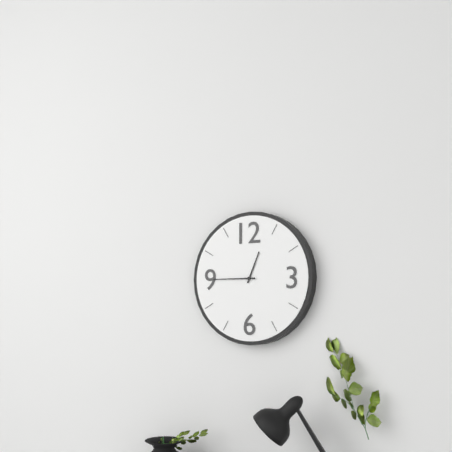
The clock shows 12:45
